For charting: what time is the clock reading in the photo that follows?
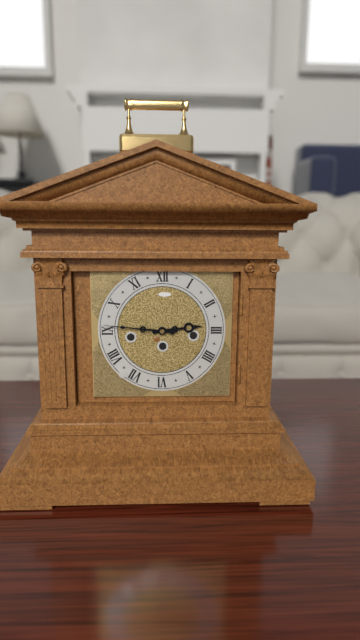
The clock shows 2:46
